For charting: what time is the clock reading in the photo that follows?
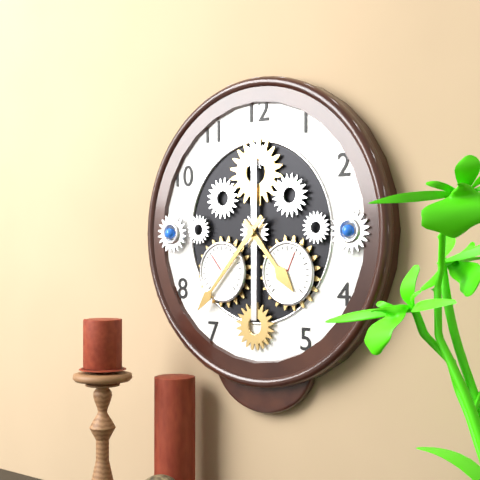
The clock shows 4:37
